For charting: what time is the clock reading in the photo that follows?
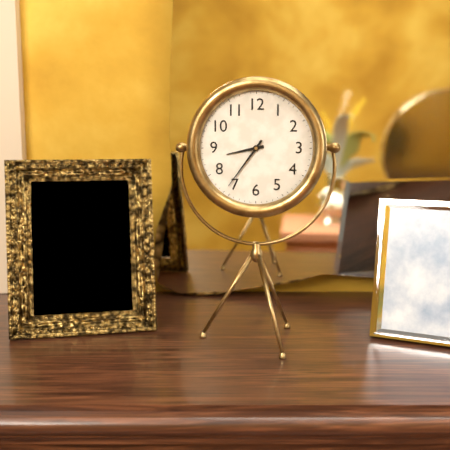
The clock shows 8:36
